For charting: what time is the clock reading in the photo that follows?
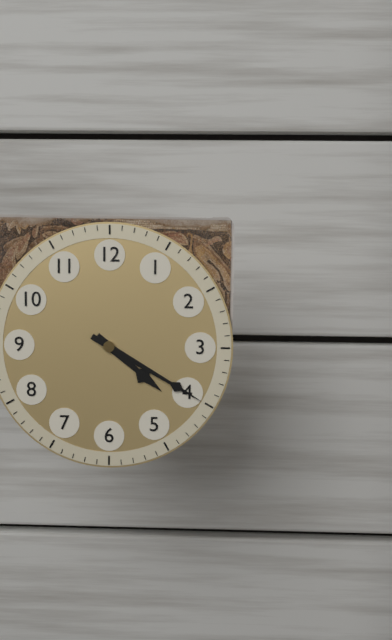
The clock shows 4:20
